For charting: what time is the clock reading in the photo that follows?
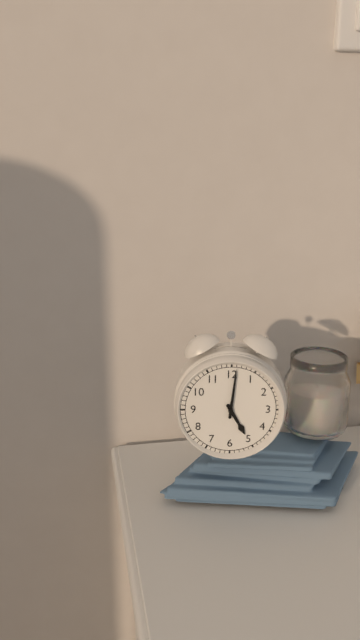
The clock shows 5:01
